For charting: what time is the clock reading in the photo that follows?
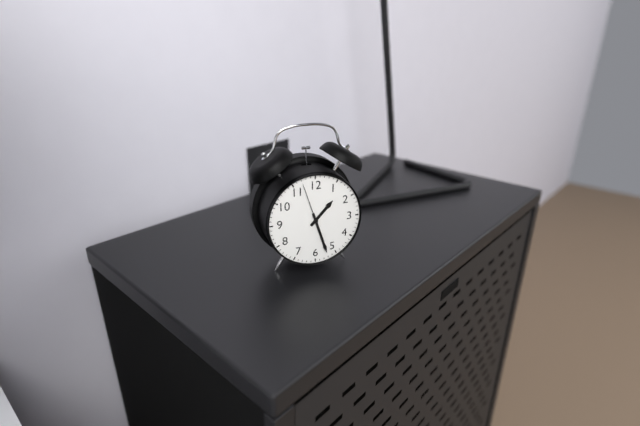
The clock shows 1:27
